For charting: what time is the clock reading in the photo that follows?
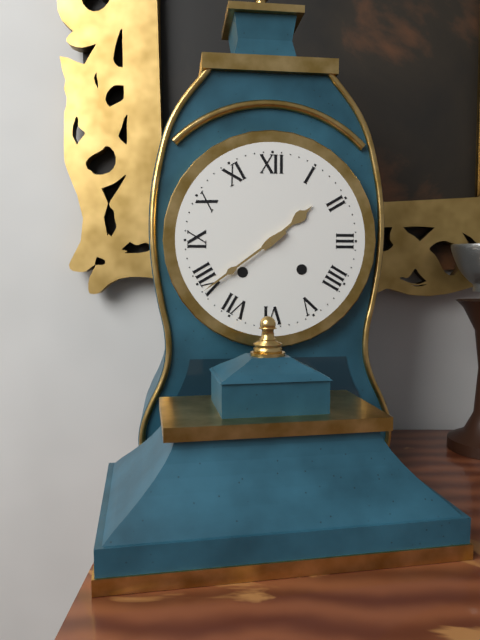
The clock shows 1:39
